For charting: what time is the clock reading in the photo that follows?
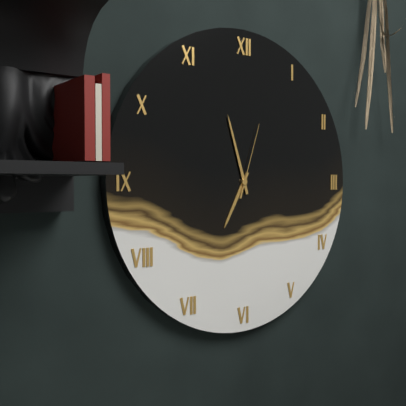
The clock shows 6:57:03
